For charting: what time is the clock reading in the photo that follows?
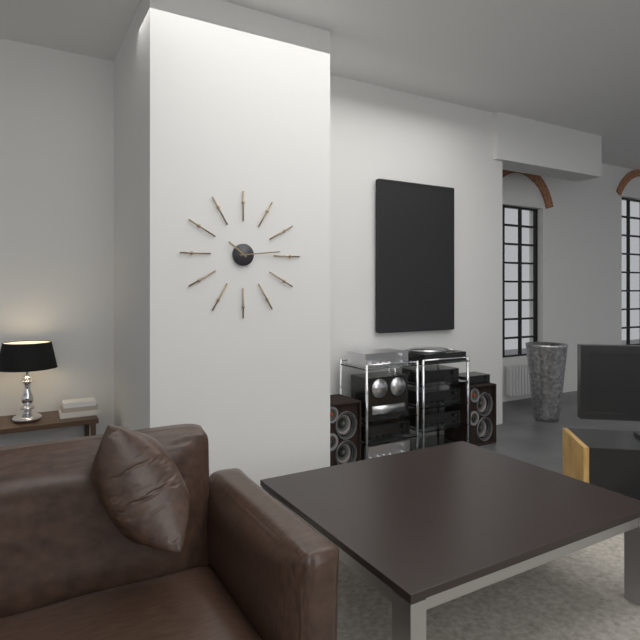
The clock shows 10:14
